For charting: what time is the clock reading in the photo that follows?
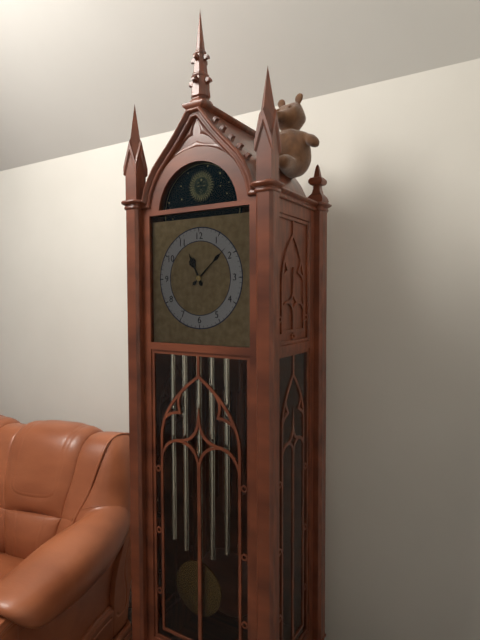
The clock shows 11:08
